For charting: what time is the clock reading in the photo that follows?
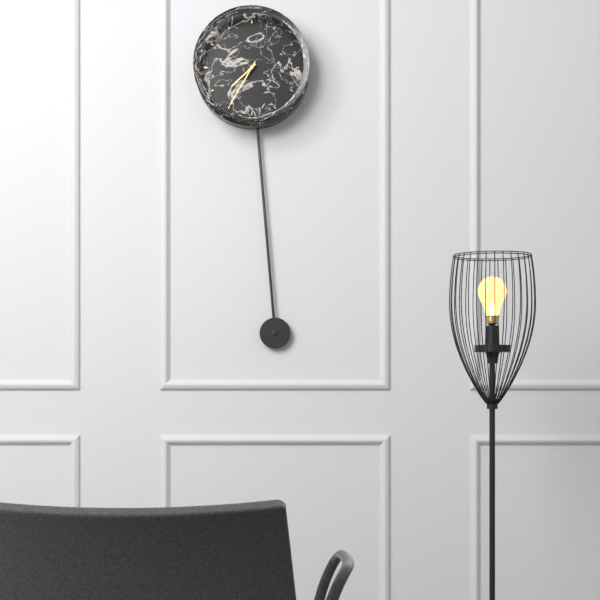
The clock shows 7:35
